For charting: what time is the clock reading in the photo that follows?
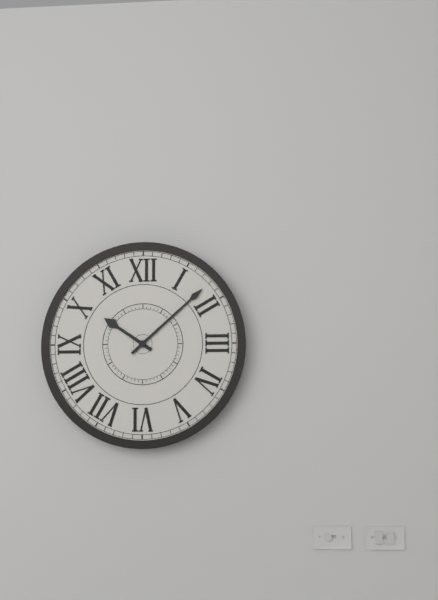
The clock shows 10:08
